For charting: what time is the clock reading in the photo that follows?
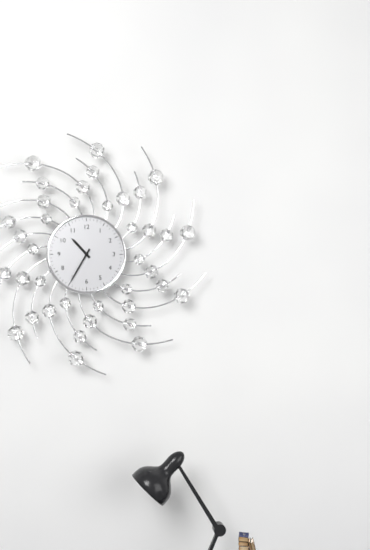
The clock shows 10:35
